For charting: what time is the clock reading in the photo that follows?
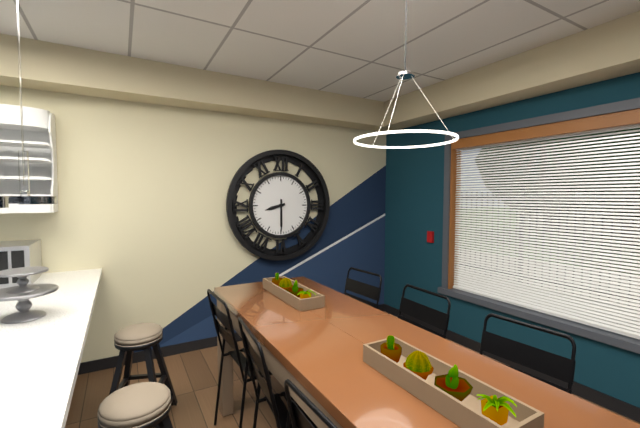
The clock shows 8:30
